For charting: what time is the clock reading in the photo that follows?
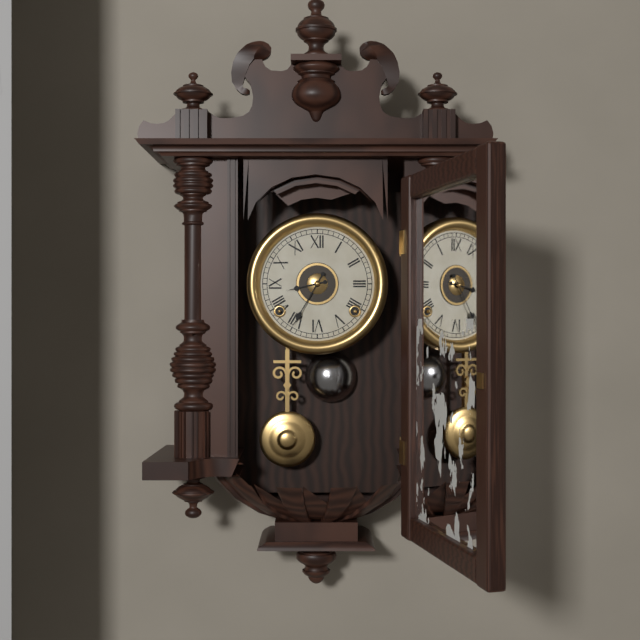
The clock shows 8:35
